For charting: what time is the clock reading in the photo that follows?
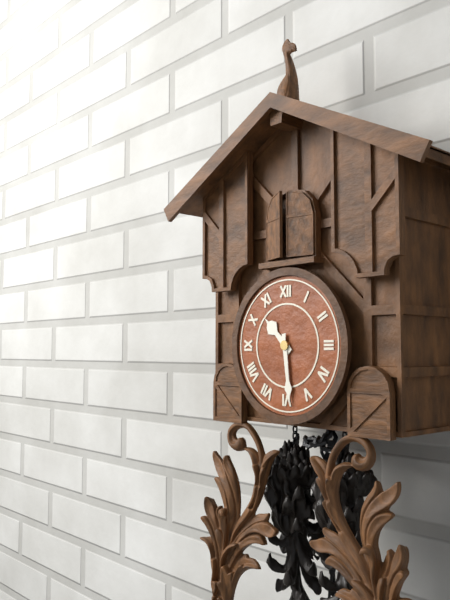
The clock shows 10:29
